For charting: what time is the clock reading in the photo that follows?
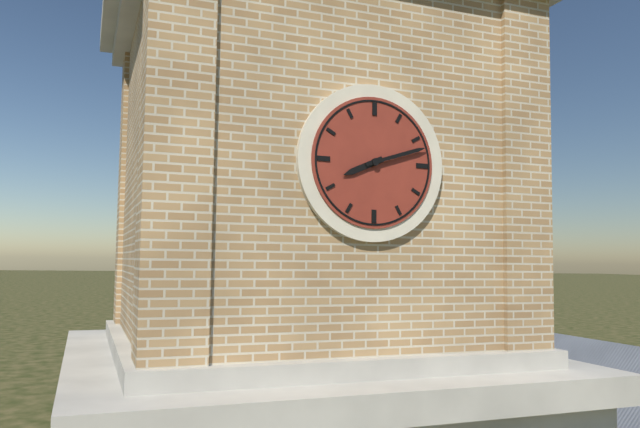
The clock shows 8:12
